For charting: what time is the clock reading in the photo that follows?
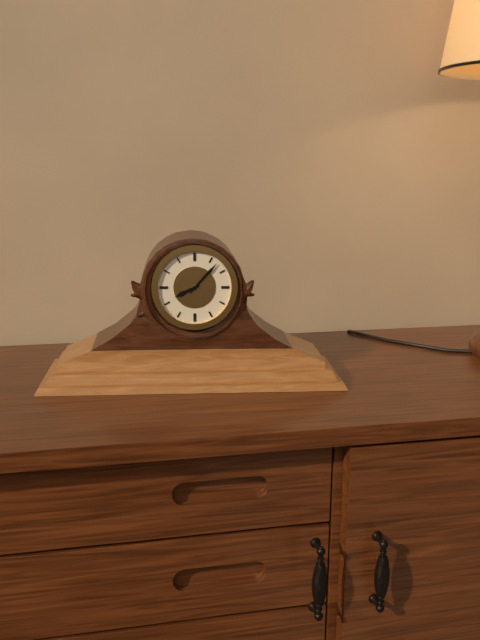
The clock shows 8:07
